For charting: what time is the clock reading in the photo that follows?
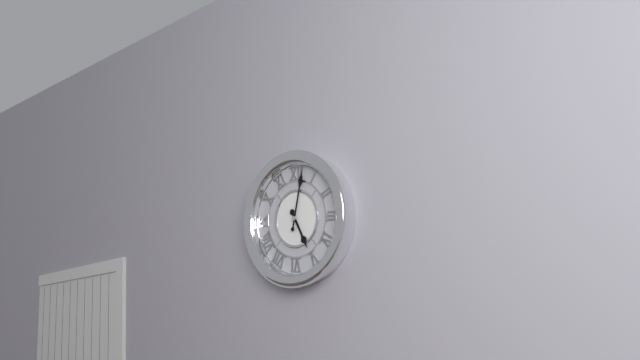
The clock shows 5:02
